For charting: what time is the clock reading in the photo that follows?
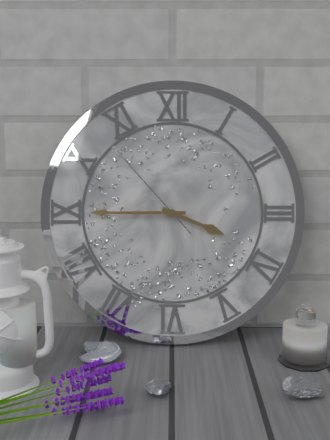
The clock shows 3:45:53
